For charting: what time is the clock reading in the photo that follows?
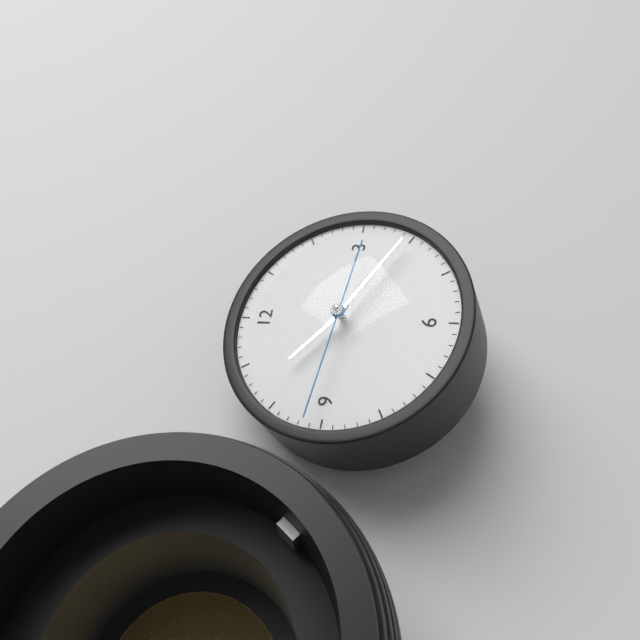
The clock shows 10:20:46
